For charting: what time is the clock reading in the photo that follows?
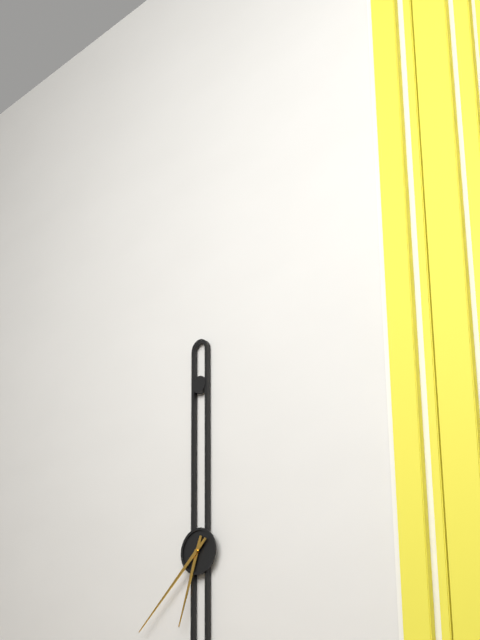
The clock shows 6:38
